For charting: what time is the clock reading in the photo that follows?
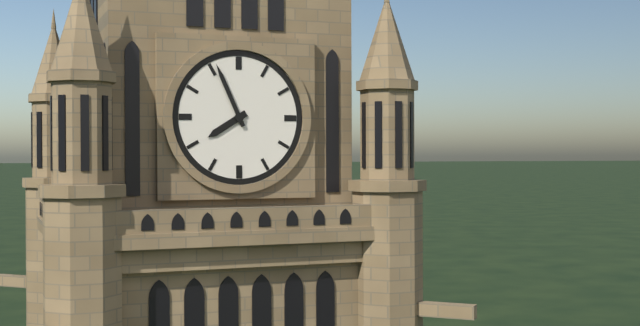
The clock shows 7:56
